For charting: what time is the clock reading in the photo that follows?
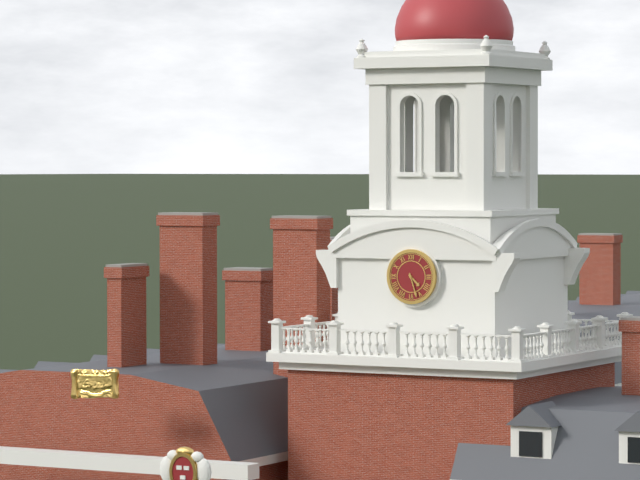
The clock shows 4:27
